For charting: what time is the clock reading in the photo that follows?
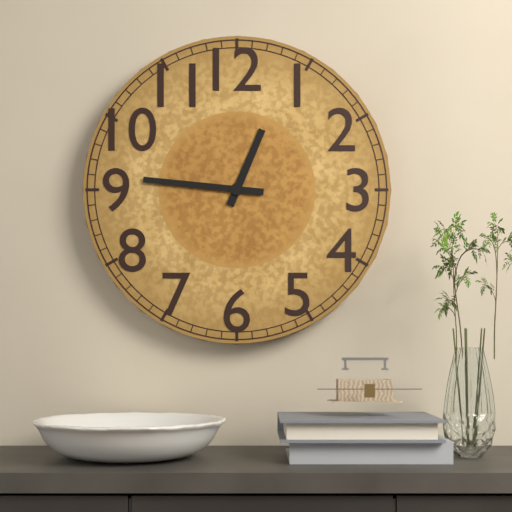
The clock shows 12:46
